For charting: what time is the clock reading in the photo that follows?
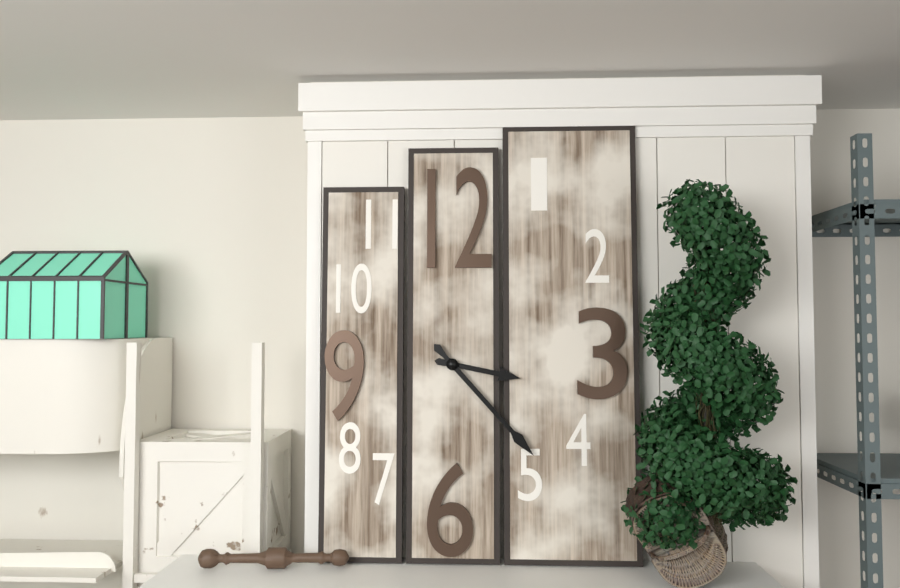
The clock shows 3:23
